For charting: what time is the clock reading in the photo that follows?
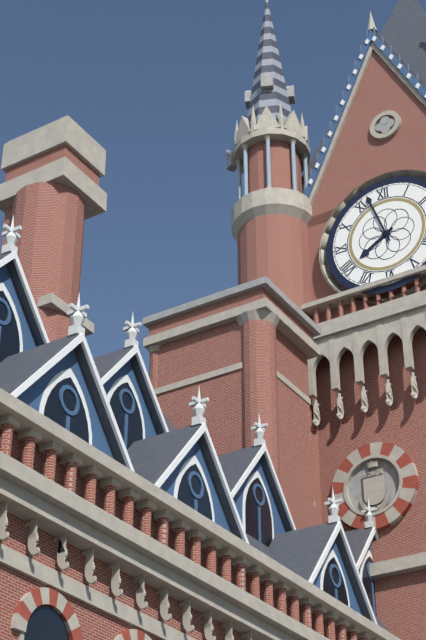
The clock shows 7:57
